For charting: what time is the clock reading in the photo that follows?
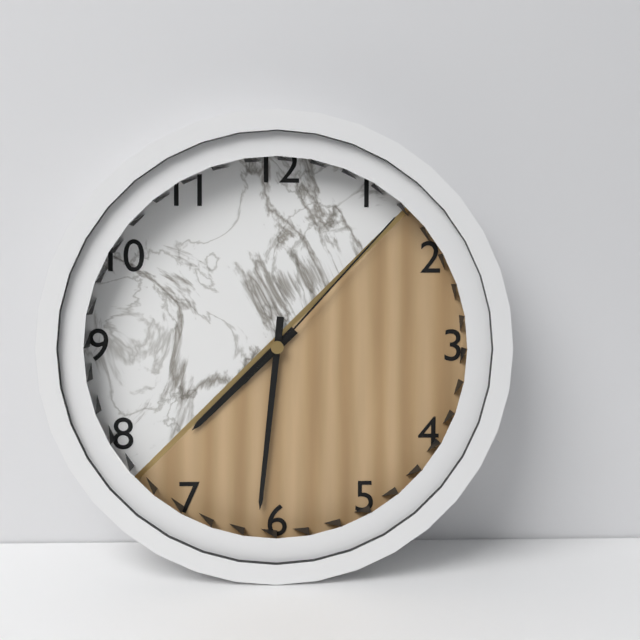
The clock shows 7:31:07
